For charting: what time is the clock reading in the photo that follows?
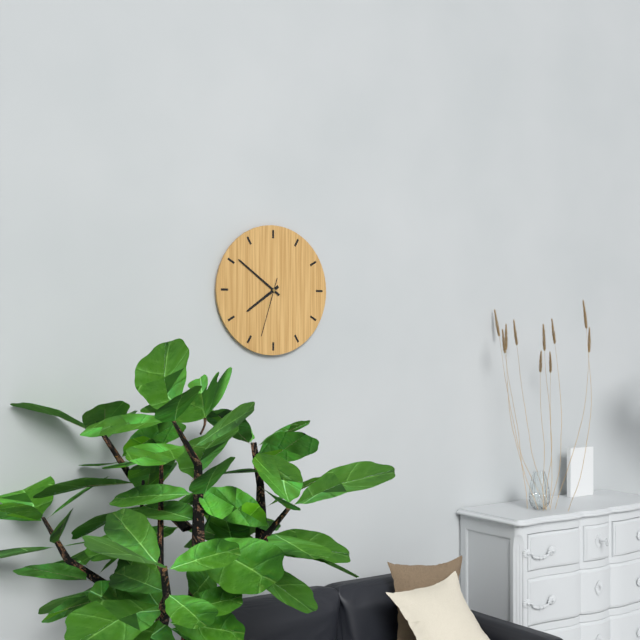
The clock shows 7:51:33
